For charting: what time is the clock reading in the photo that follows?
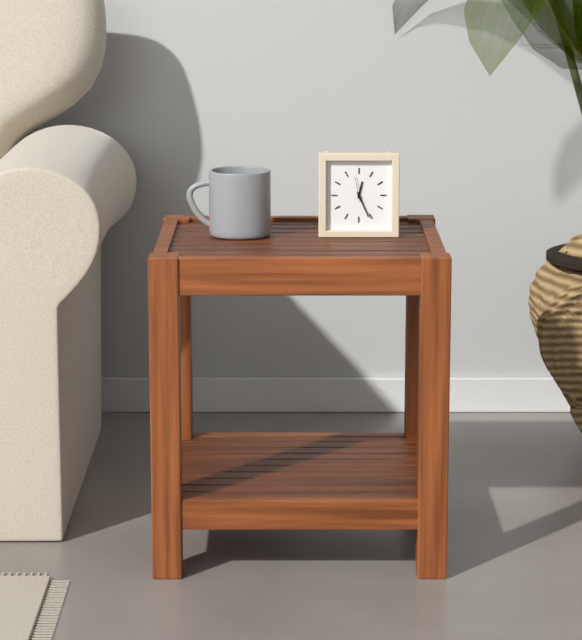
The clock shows 12:26
